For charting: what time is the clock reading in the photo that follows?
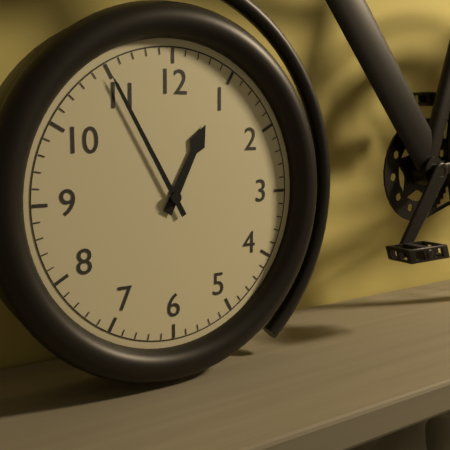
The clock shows 12:55
